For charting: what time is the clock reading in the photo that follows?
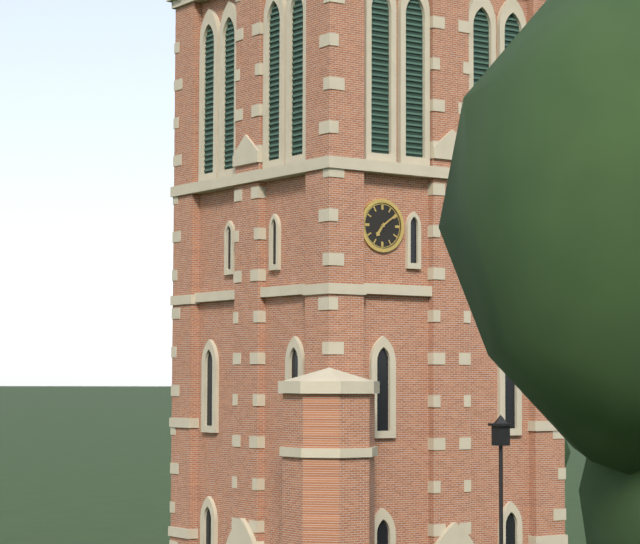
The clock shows 7:09
